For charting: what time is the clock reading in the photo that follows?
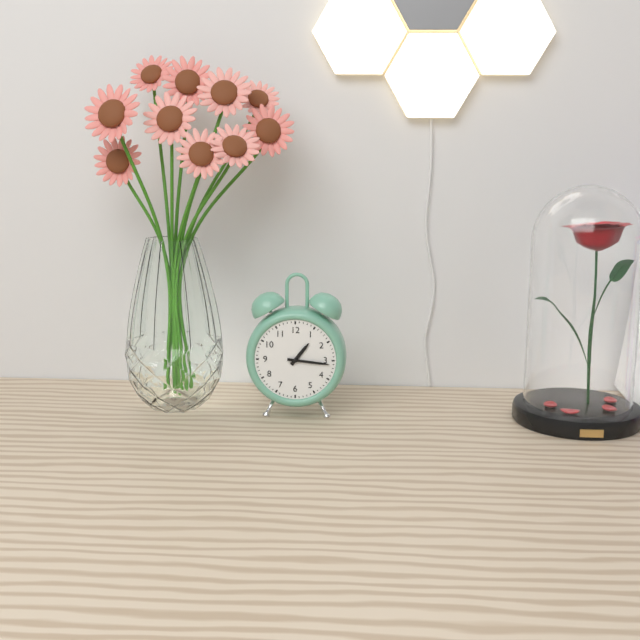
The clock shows 1:16
